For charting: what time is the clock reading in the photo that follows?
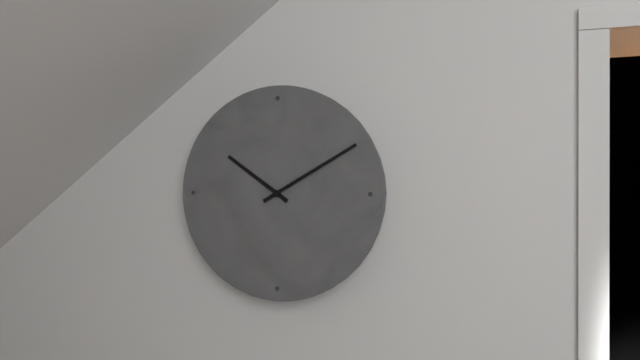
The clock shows 10:10
